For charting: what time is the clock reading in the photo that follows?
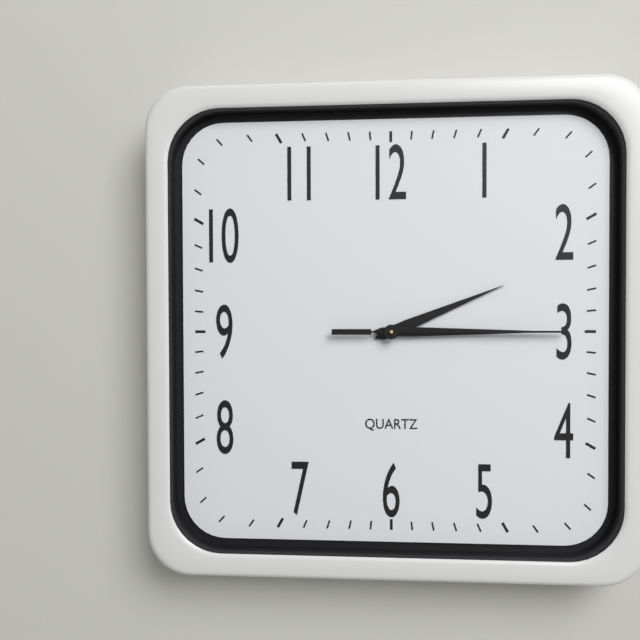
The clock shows 2:15:15
